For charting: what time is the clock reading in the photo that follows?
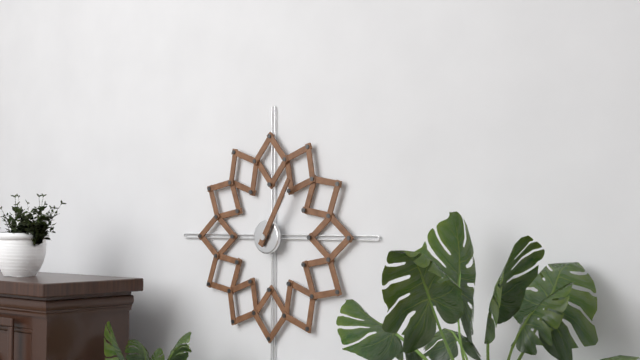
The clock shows 1:05
